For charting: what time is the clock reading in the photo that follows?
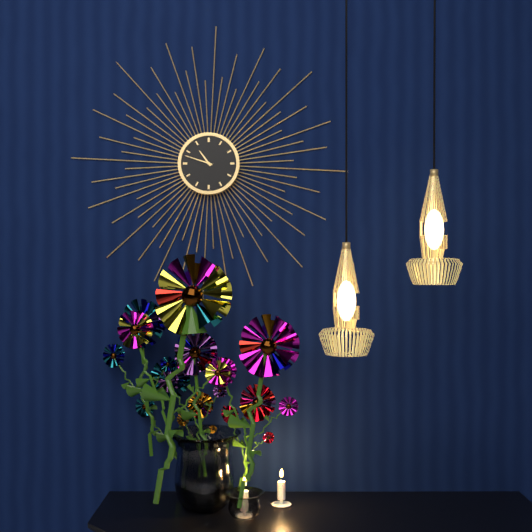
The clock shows 10:48
